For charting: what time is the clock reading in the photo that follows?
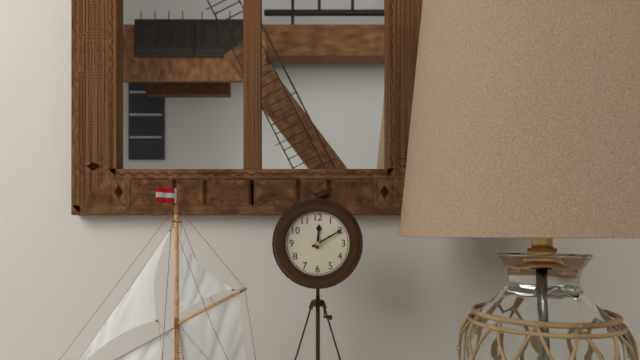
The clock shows 12:10
